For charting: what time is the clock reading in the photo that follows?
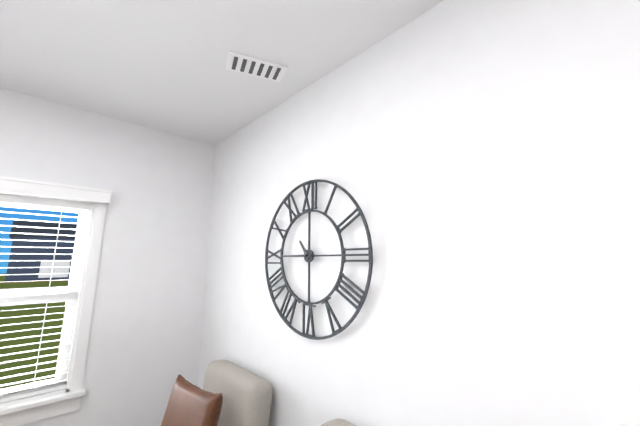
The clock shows 10:45
